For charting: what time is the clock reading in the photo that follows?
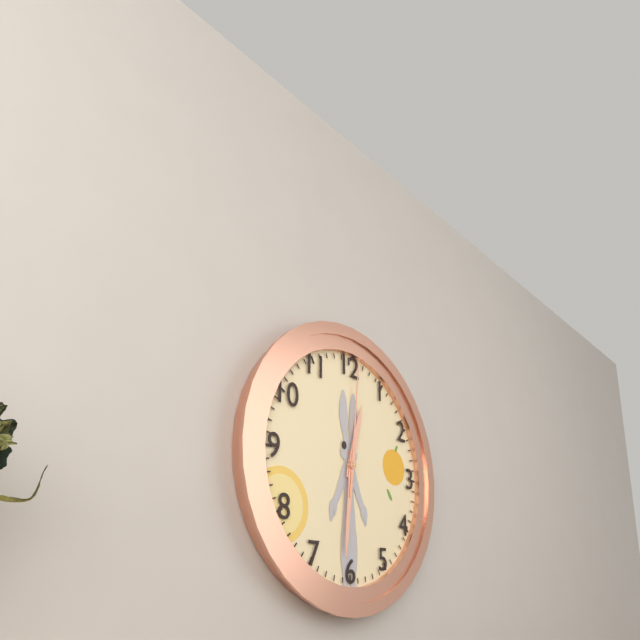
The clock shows 12:31:01
